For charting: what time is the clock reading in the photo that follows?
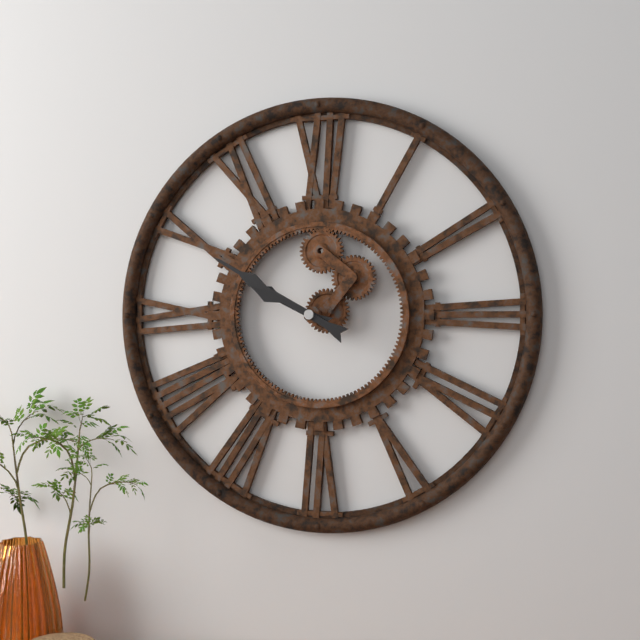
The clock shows 9:50
